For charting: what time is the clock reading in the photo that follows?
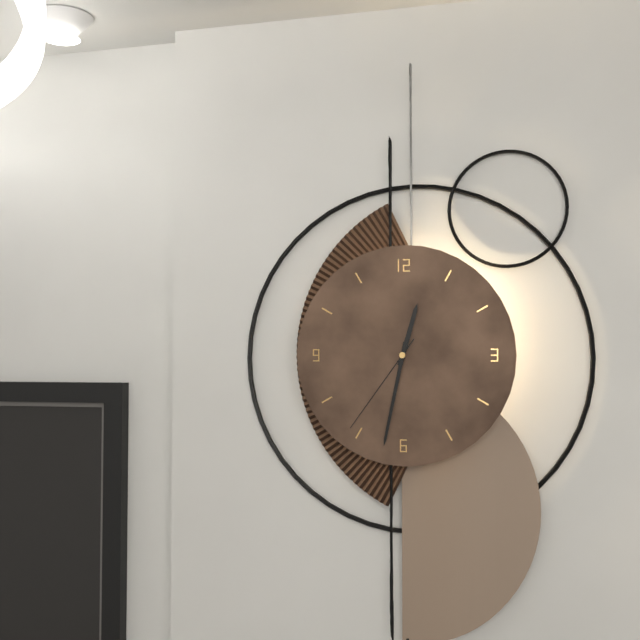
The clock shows 12:32:36
